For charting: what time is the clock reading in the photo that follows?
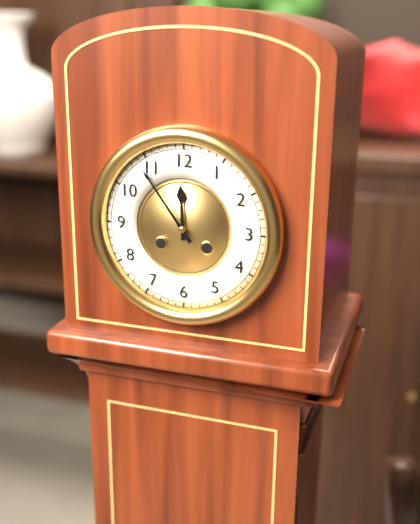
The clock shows 11:54
